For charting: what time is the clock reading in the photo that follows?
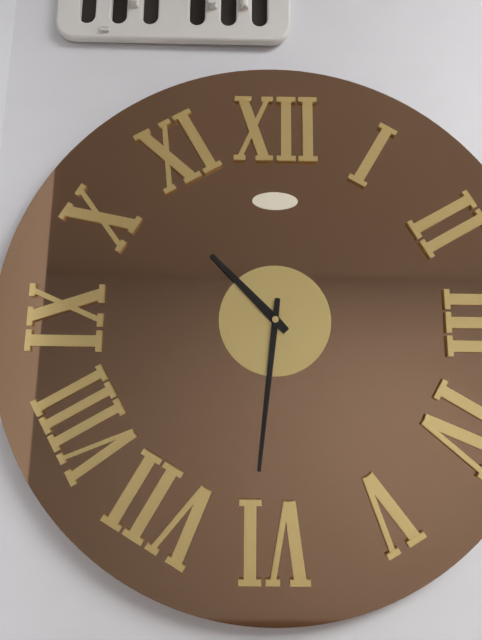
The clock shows 10:31
